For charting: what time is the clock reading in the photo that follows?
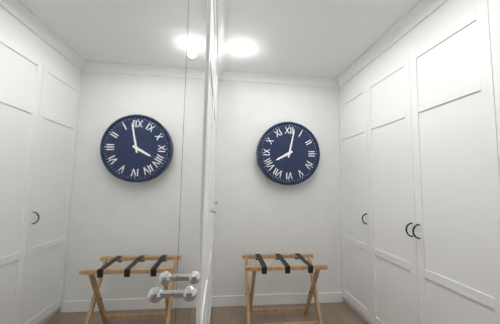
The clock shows 8:02
